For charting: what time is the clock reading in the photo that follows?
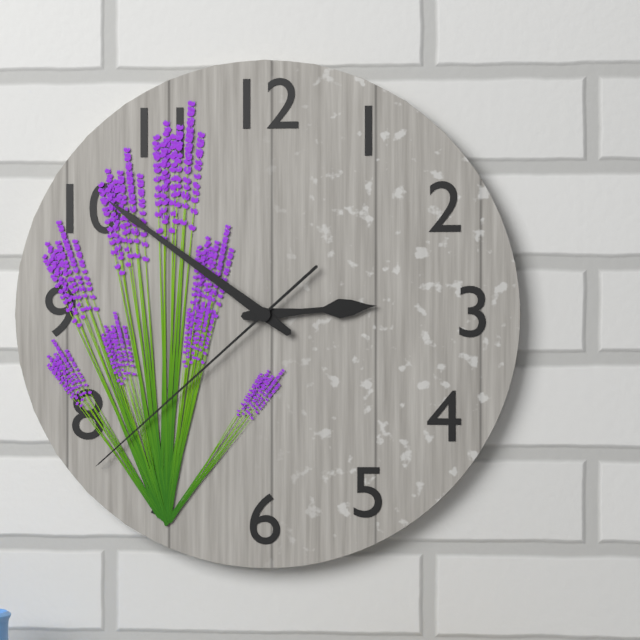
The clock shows 2:51:38
